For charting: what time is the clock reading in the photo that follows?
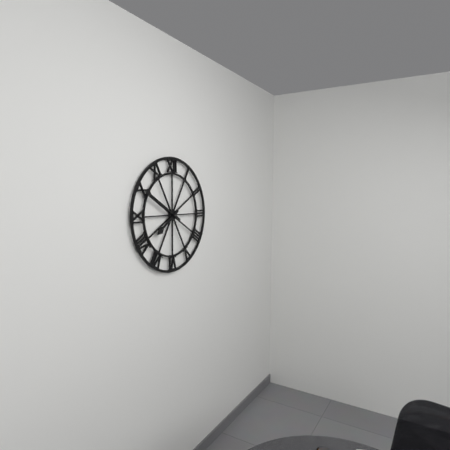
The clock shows 7:50
